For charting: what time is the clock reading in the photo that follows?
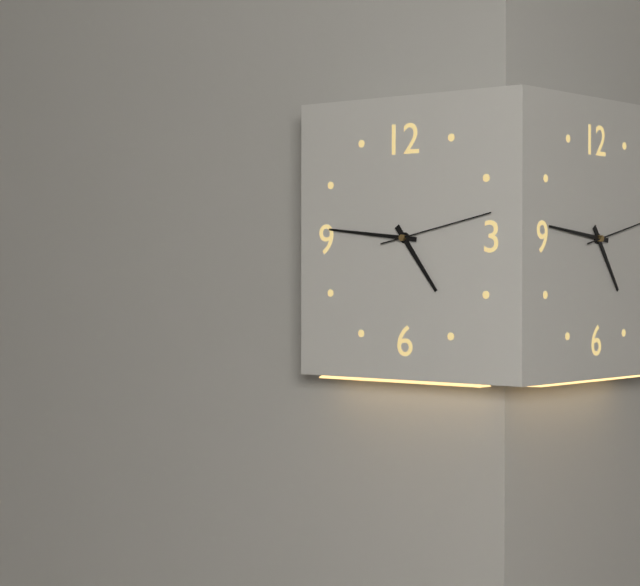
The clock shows 4:46:13
